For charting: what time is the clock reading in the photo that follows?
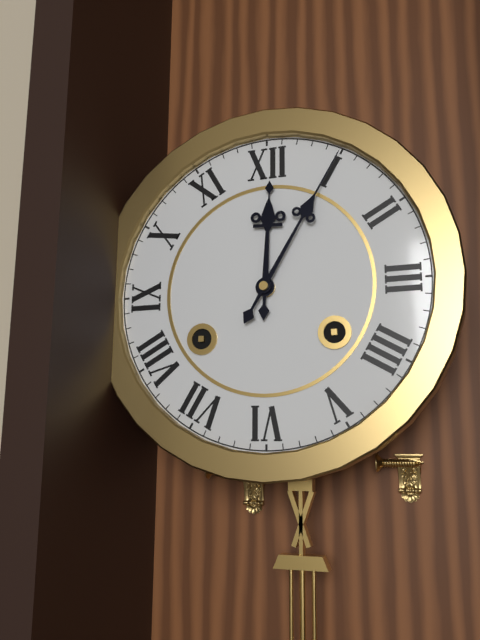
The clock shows 12:05
